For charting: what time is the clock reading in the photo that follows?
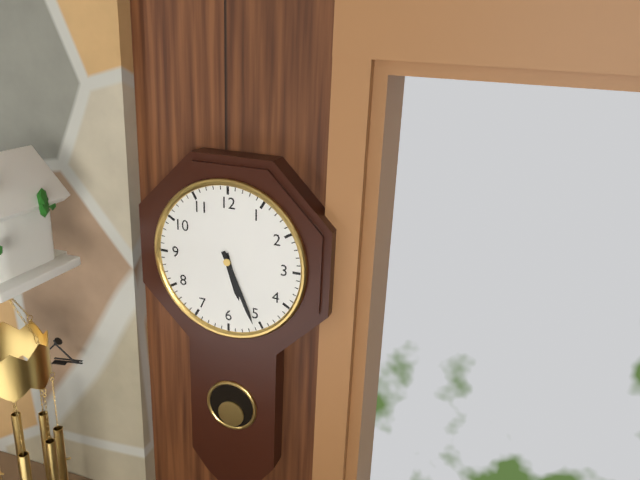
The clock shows 5:26
